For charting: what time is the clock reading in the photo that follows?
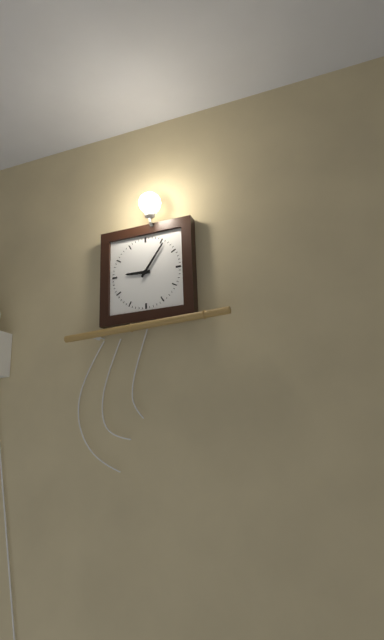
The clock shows 9:06
